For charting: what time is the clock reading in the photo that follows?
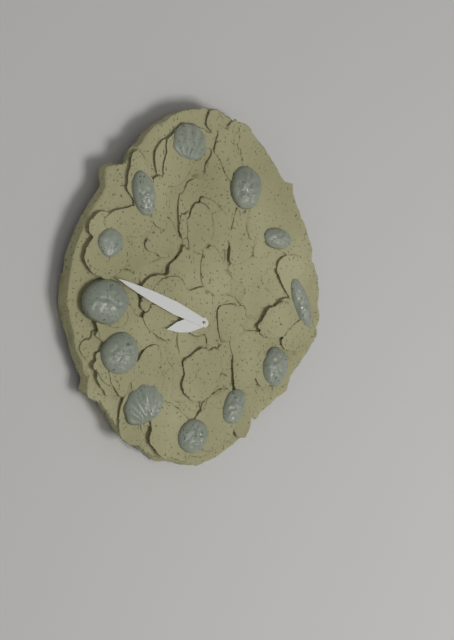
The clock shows 8:49
